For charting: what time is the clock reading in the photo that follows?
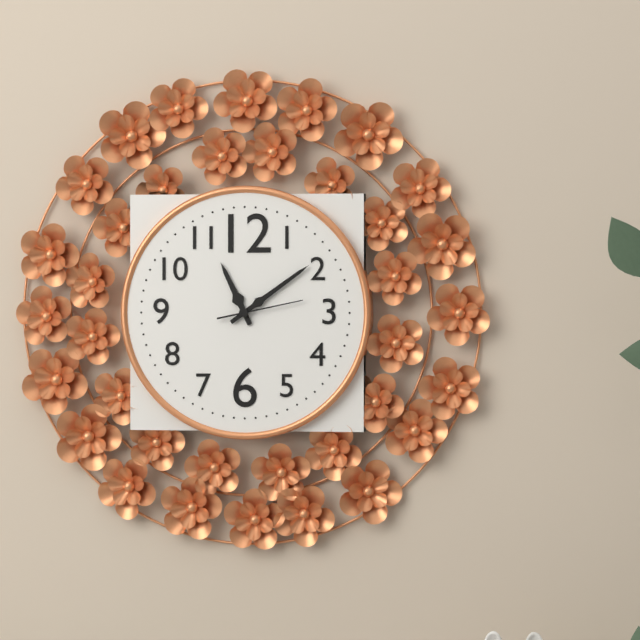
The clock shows 11:09:13
